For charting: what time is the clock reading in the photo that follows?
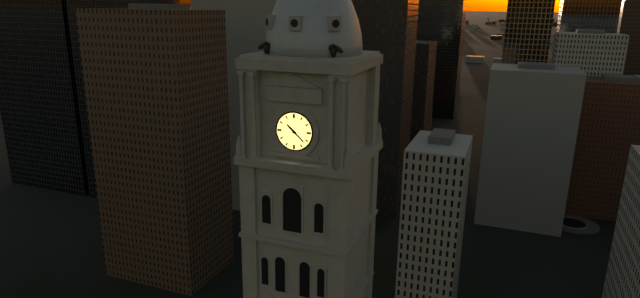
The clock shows 10:22
